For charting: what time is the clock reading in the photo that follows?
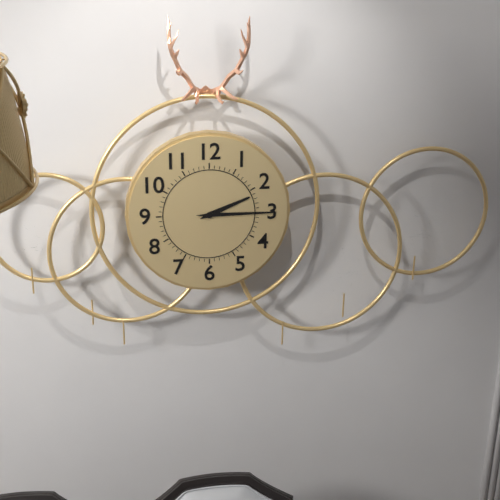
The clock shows 2:15
